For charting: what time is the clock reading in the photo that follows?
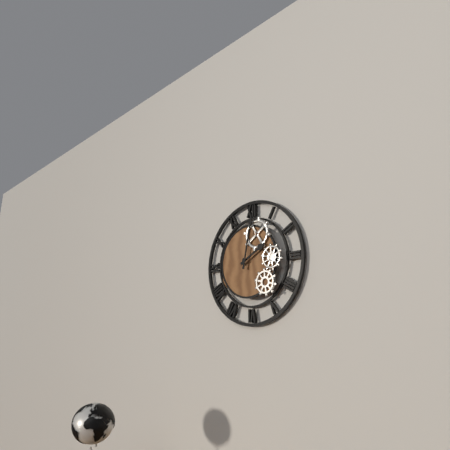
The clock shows 2:02
